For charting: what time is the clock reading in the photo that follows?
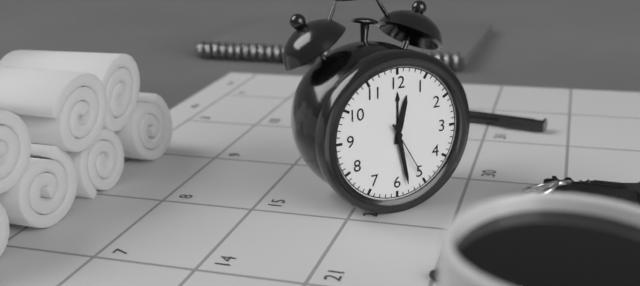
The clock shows 12:28:25
